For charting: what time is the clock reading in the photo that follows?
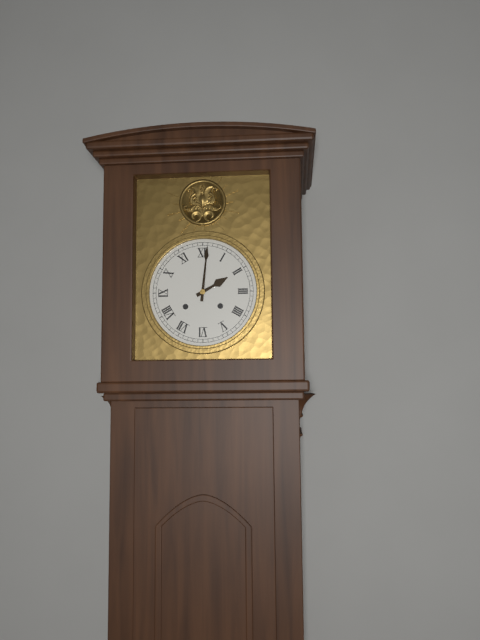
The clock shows 2:01
